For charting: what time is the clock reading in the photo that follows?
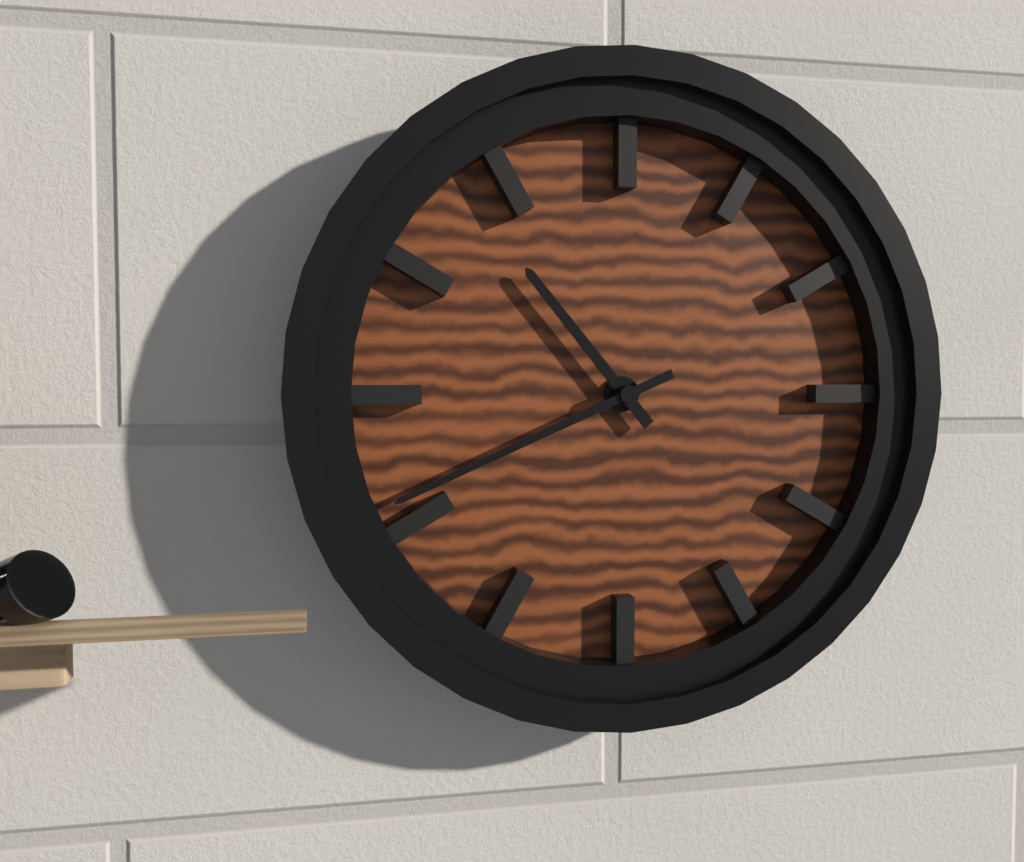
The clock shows 10:41
